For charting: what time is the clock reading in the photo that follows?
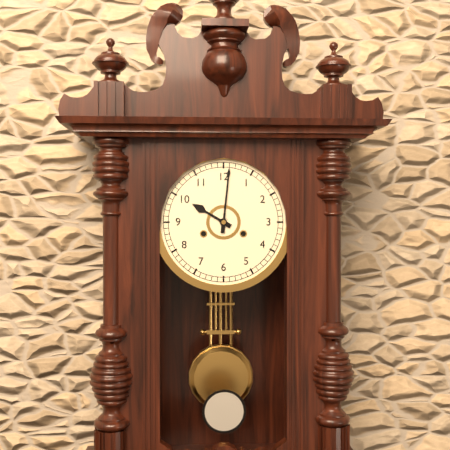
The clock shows 10:01
